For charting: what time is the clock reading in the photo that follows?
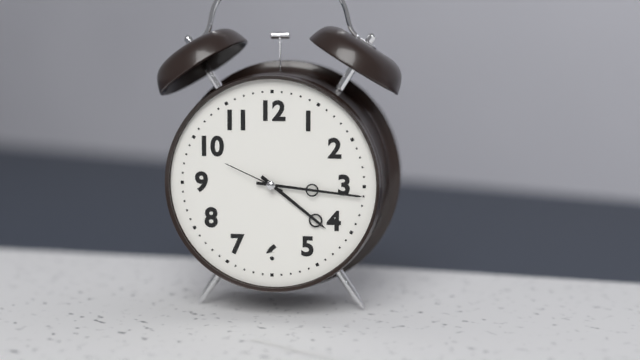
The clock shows 4:16:49
